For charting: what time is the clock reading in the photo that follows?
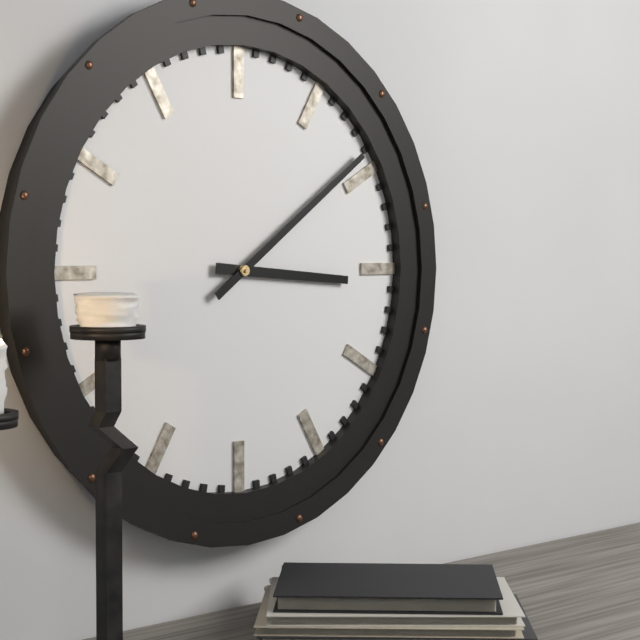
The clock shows 3:09
